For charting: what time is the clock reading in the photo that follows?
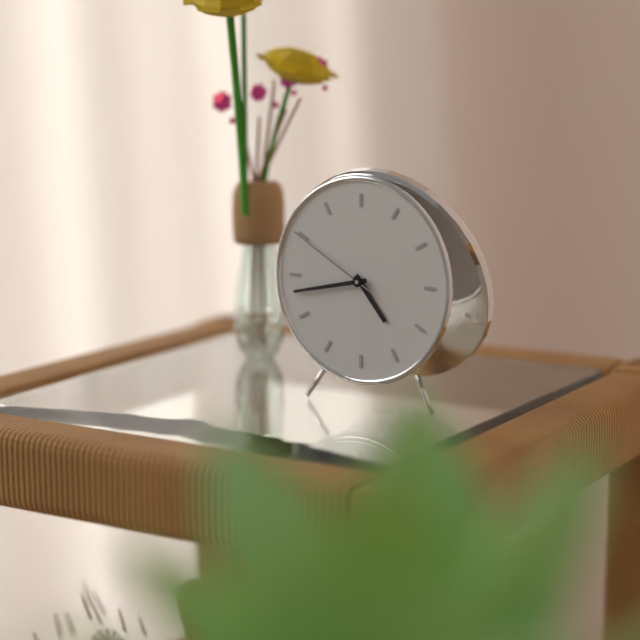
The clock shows 4:43:50
